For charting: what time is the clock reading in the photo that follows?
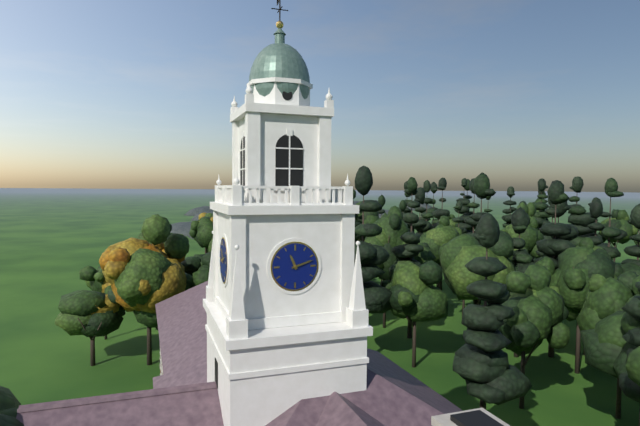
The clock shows 11:12
